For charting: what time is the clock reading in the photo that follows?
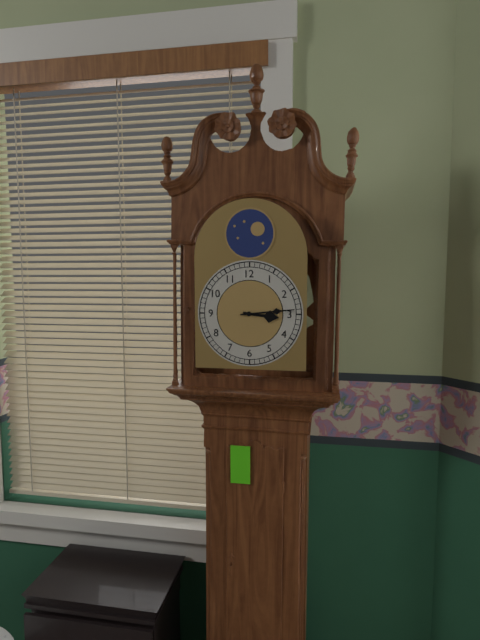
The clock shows 3:14
